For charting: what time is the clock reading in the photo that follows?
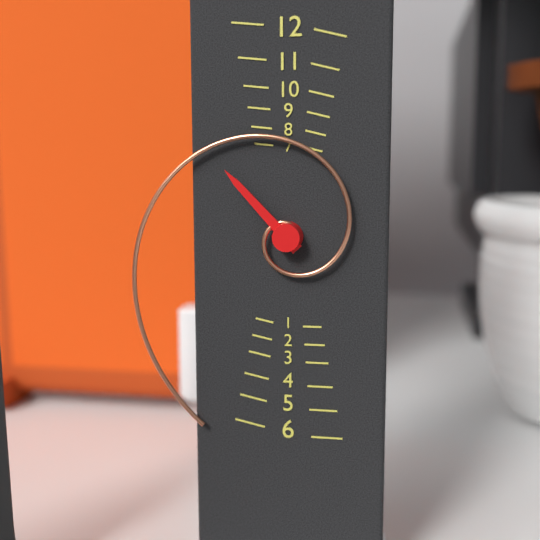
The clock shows 10:34
